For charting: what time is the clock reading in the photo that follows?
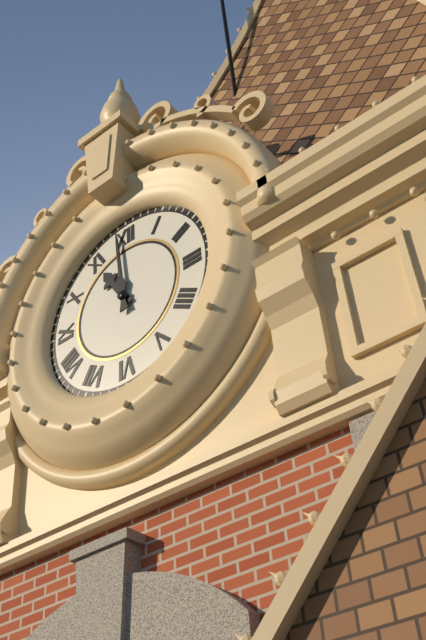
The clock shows 10:59
